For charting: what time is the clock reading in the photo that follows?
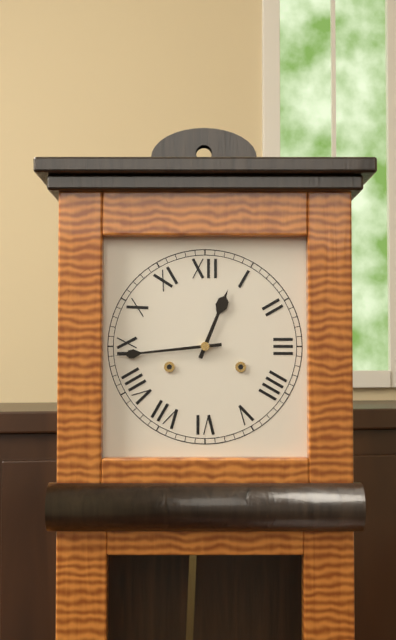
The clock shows 12:44
